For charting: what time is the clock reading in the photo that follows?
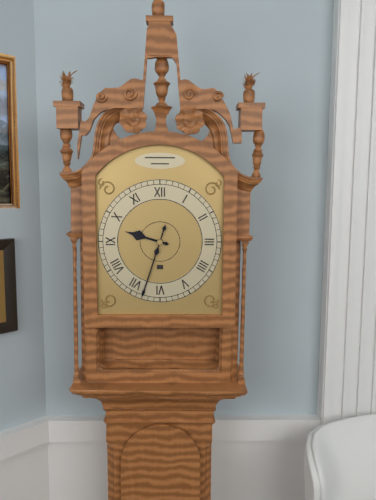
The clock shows 9:33
